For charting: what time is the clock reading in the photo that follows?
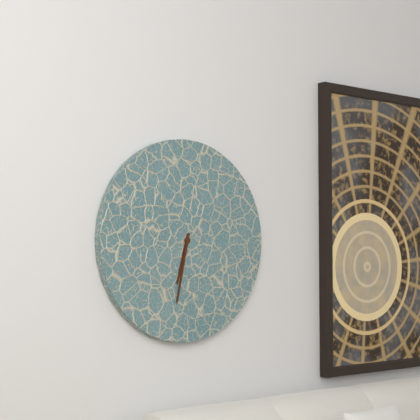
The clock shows 6:32
